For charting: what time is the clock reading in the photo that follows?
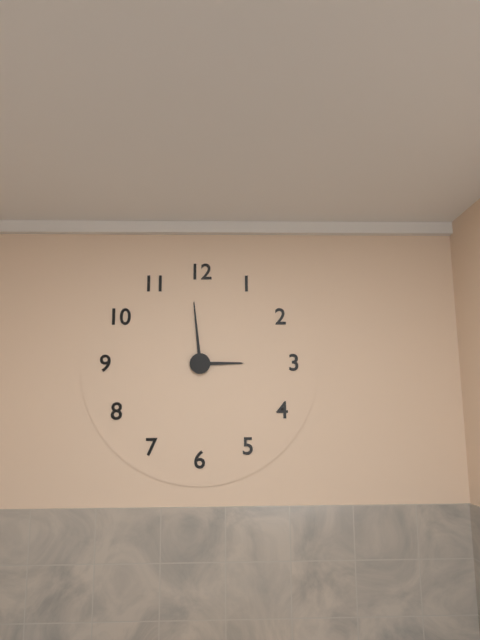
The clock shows 2:59
